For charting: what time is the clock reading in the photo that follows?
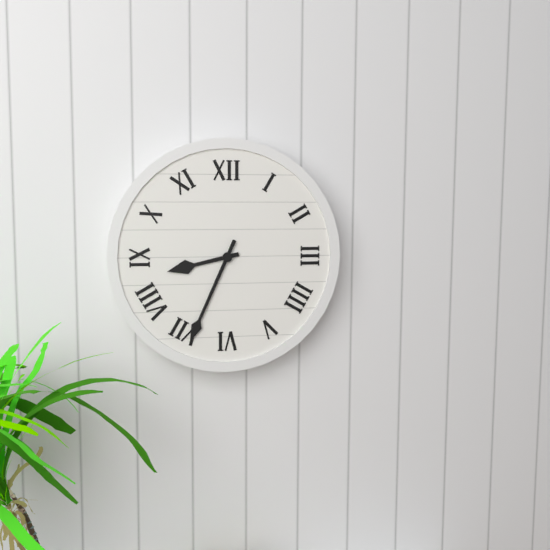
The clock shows 8:34
